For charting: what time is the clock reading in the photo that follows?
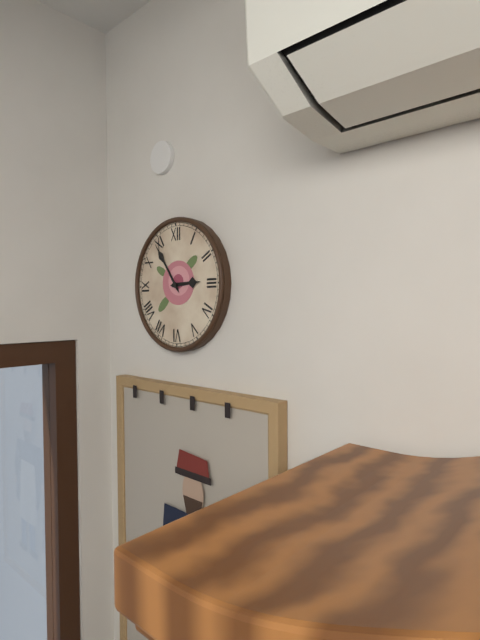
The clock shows 2:54
